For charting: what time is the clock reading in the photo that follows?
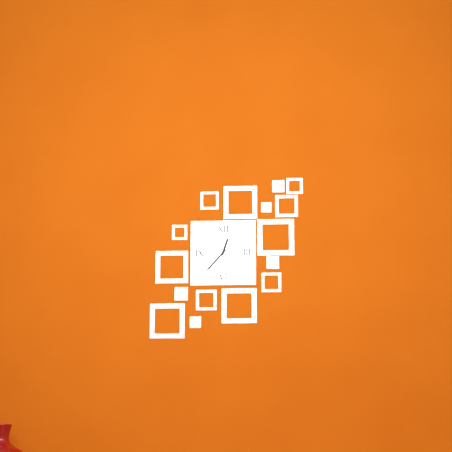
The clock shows 12:37:54
